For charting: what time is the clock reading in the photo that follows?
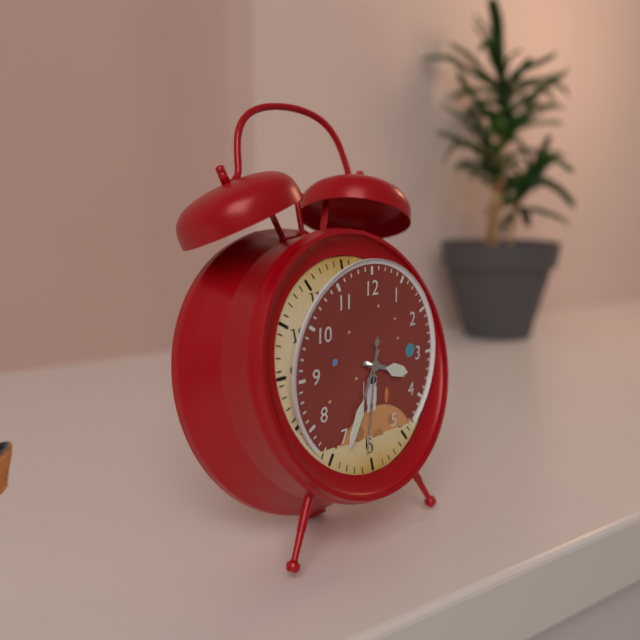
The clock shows 3:34:31
